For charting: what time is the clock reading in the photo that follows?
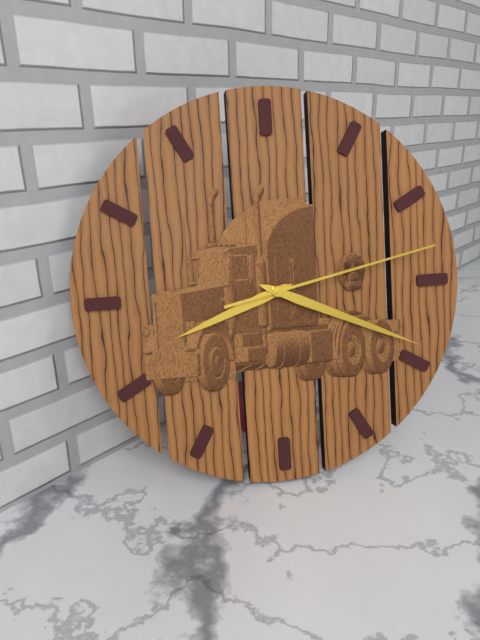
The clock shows 8:19:13
